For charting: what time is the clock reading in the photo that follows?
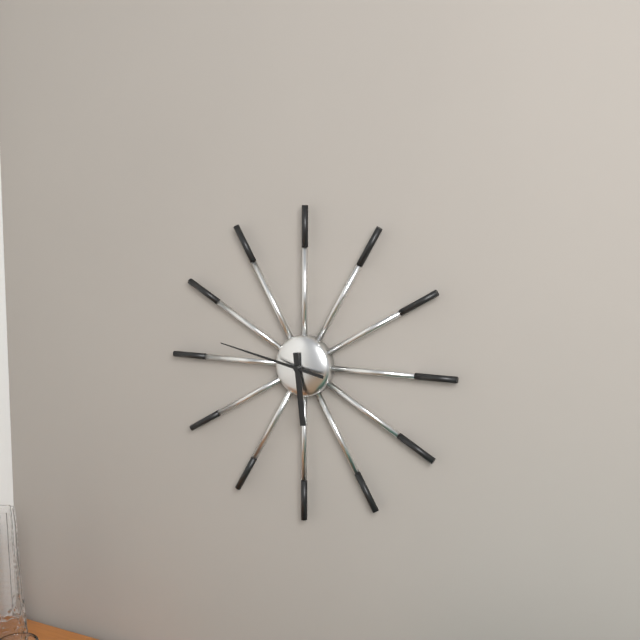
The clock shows 5:47
